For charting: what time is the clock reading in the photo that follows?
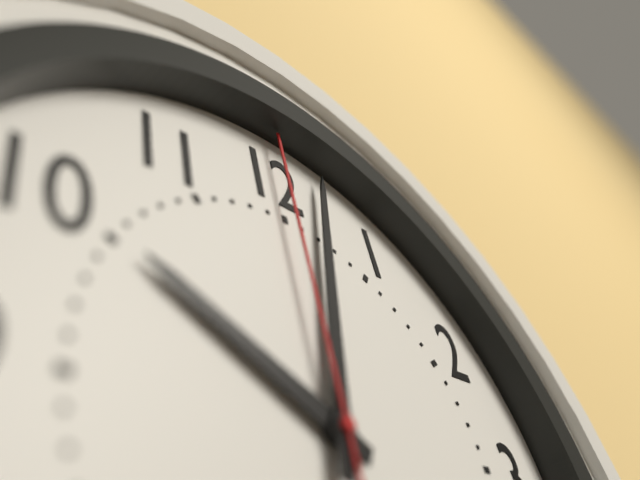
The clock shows 10:02:00
